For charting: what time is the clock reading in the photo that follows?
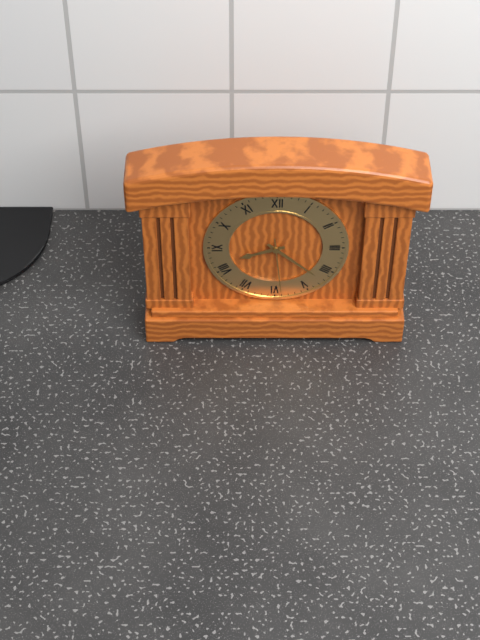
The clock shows 8:22:29
